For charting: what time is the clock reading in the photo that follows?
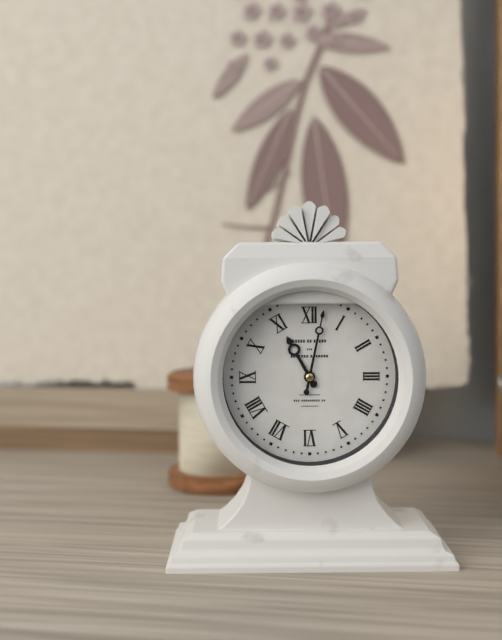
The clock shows 11:02
